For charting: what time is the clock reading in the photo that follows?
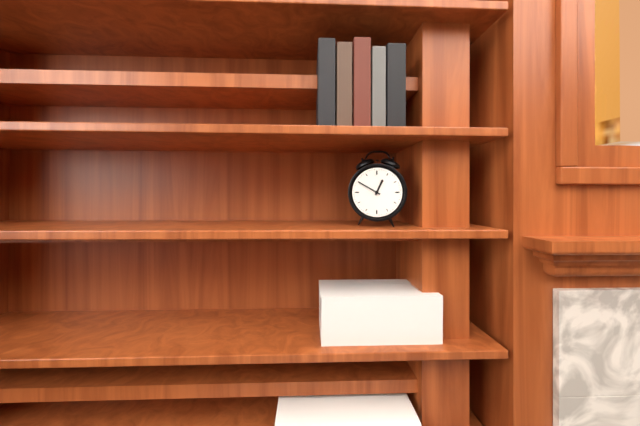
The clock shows 12:50
